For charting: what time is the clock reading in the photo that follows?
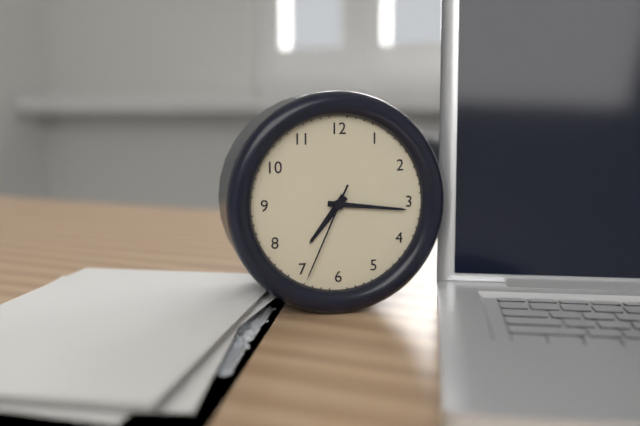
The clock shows 7:16:34
